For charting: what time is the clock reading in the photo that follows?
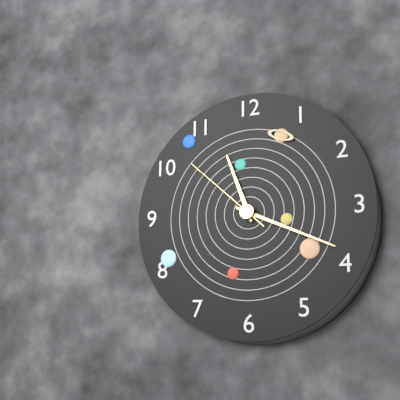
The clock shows 11:19:52
